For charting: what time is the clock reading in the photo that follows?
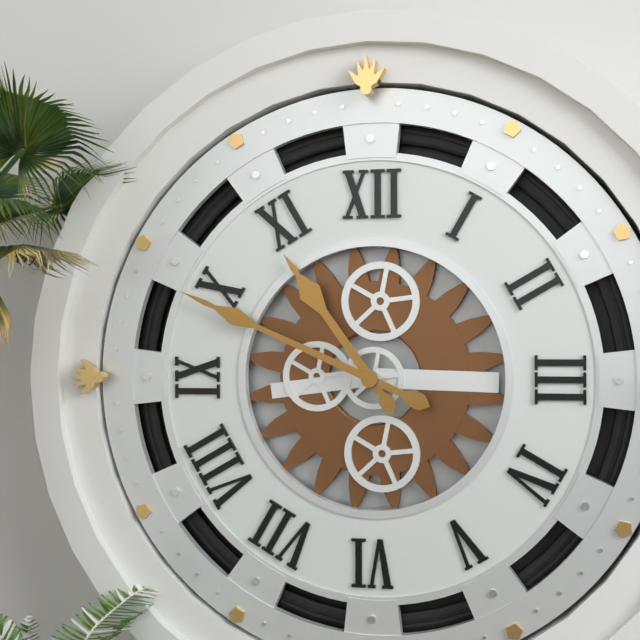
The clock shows 10:49
